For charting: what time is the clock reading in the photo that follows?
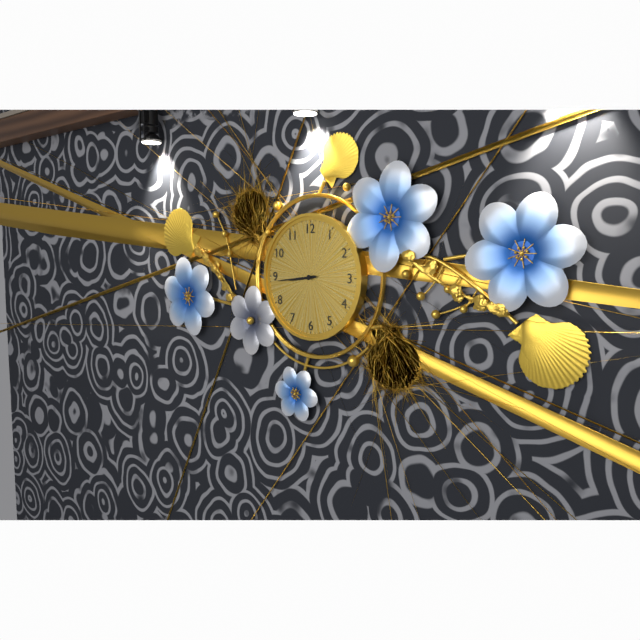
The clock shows 8:44
